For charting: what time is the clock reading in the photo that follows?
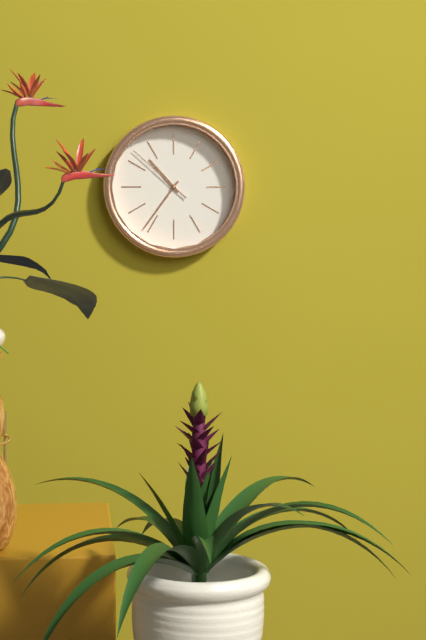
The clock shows 10:36:52
